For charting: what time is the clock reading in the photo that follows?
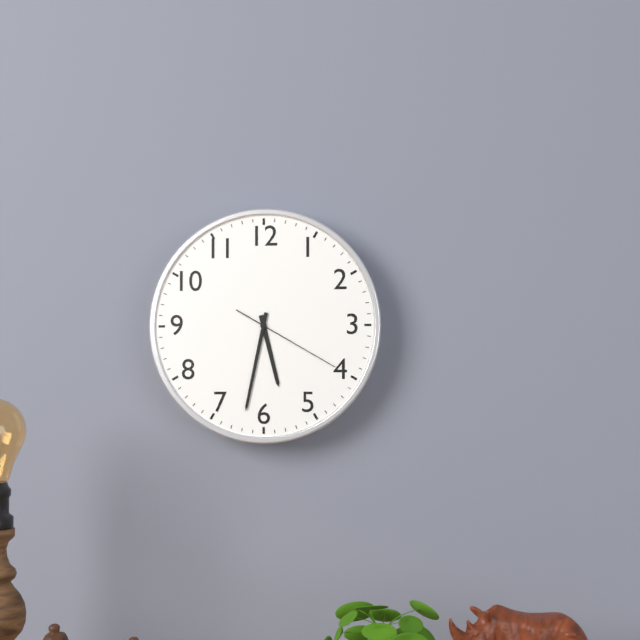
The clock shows 5:32:20
